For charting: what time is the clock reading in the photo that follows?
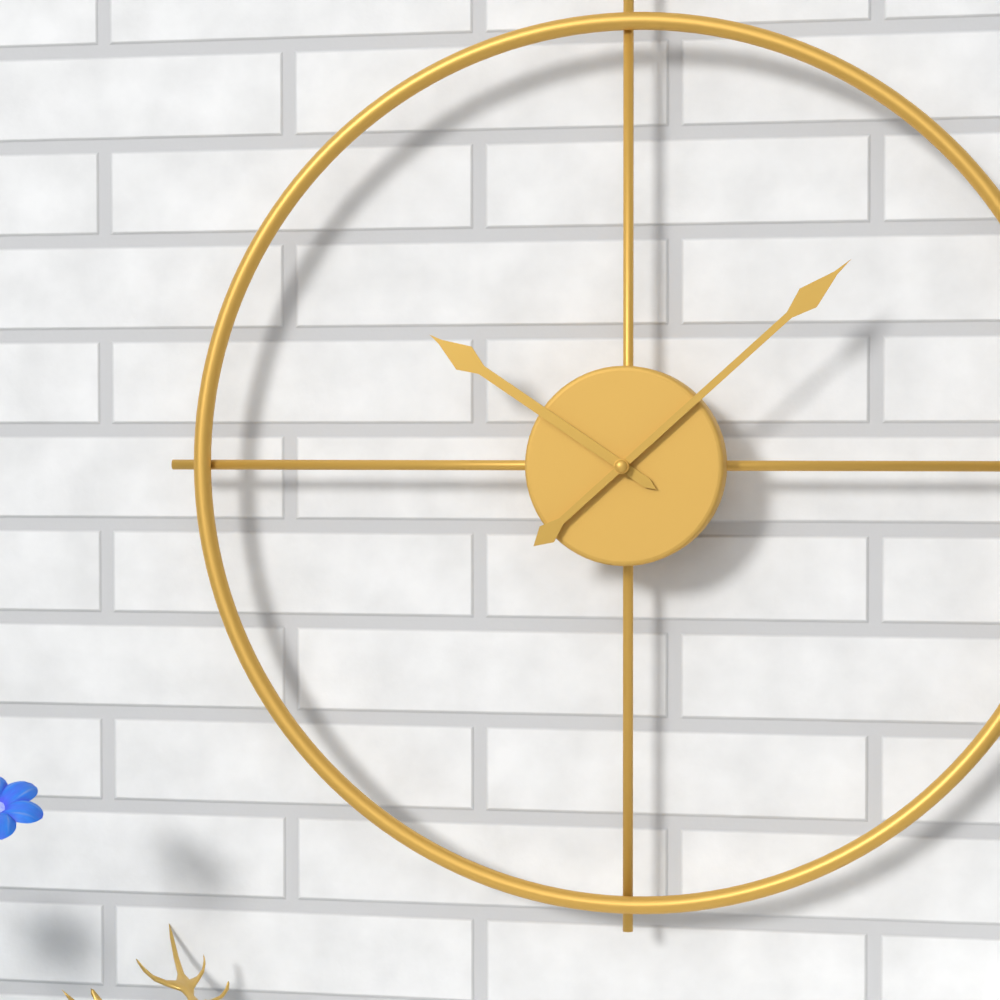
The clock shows 10:08
